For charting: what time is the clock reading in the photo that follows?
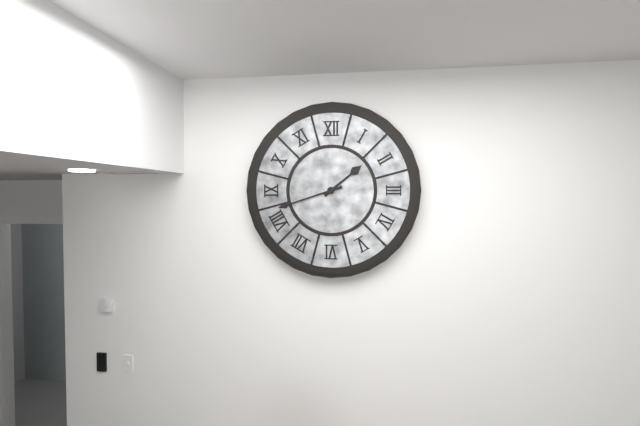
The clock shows 1:42
